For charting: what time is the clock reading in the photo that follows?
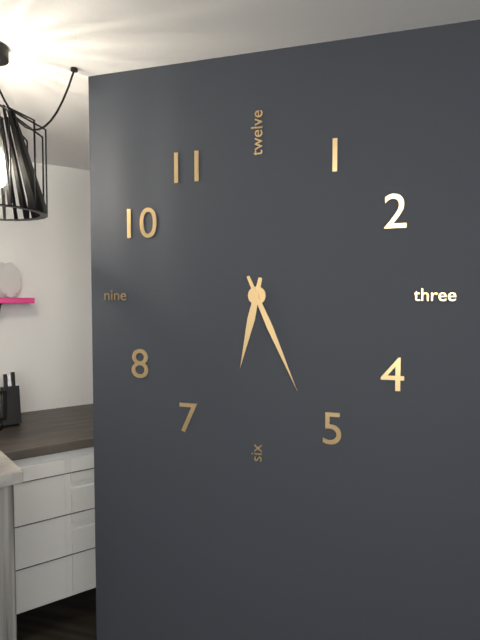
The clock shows 6:26
